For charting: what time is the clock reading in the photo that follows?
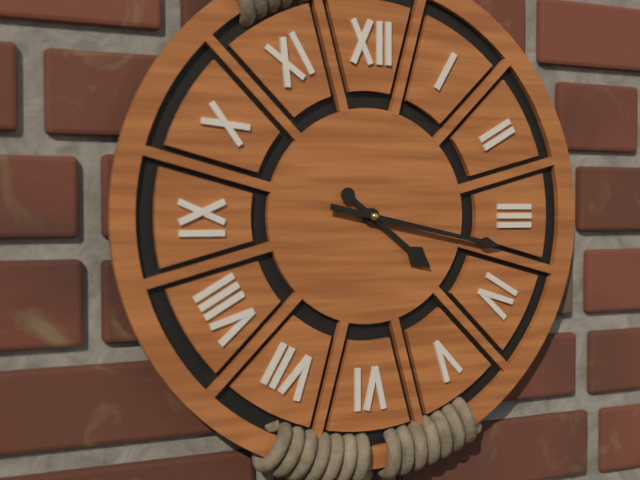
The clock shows 4:17
